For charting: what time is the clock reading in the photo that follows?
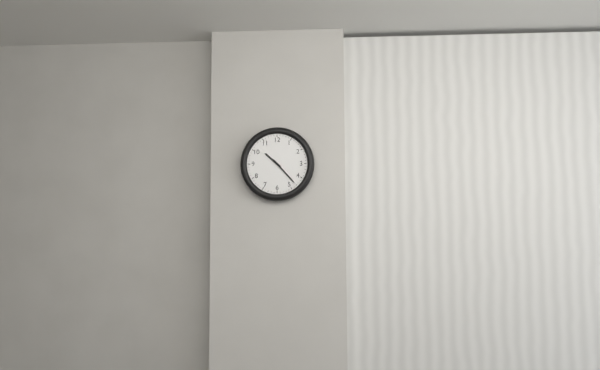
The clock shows 10:23
